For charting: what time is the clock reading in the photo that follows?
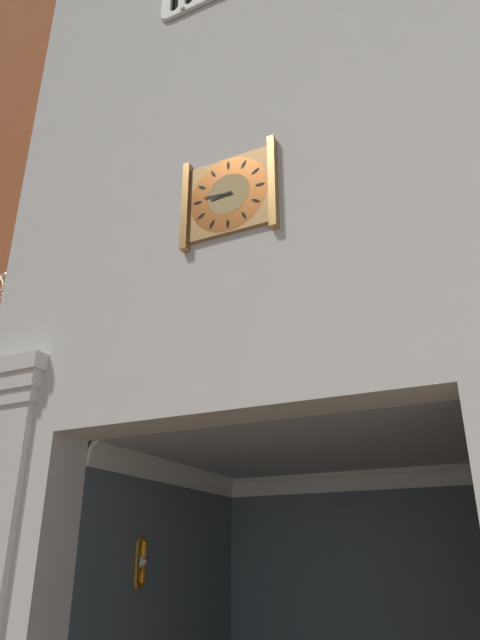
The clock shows 8:46
